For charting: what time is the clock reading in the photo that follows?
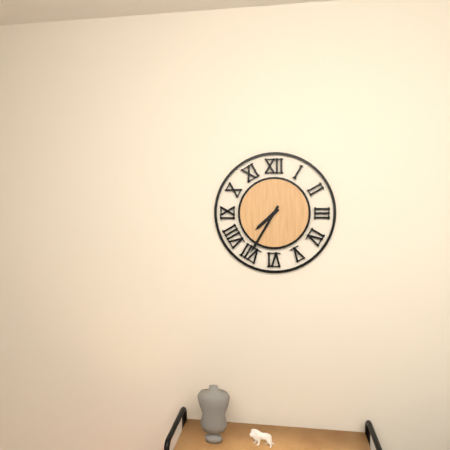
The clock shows 7:35
